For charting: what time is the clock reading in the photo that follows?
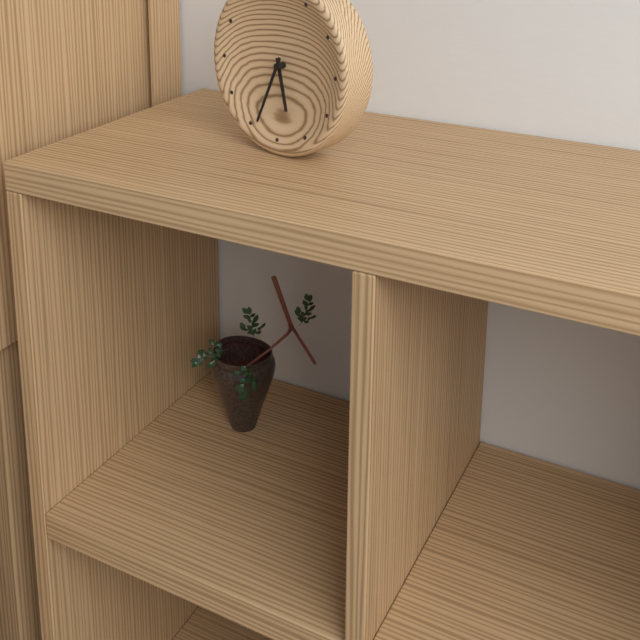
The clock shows 5:34
